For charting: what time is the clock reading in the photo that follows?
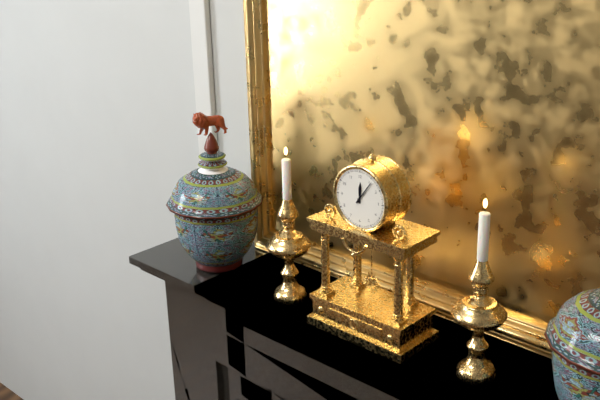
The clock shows 12:06
